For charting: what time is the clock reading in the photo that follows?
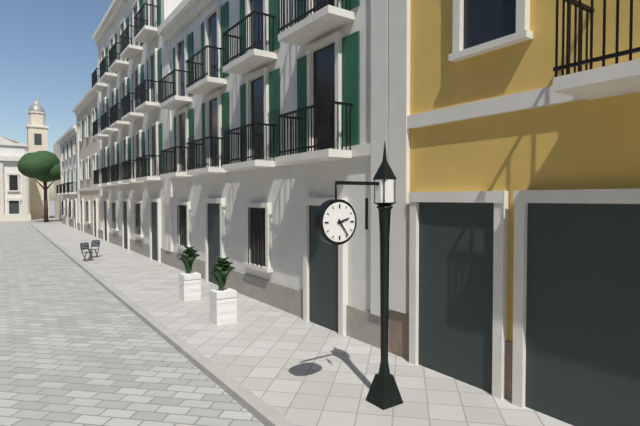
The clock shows 2:24
